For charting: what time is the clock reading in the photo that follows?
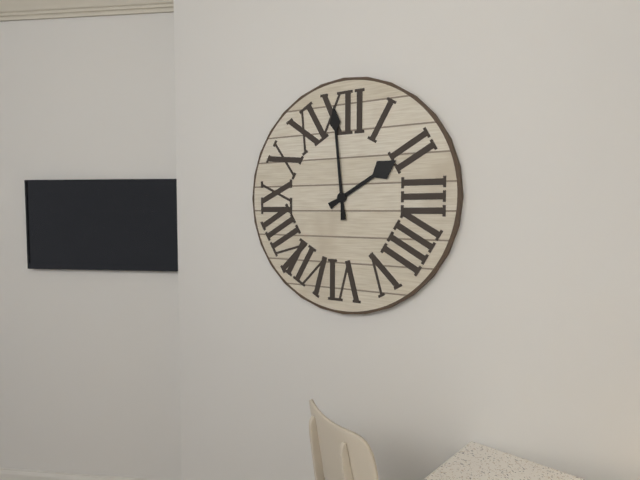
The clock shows 1:59
